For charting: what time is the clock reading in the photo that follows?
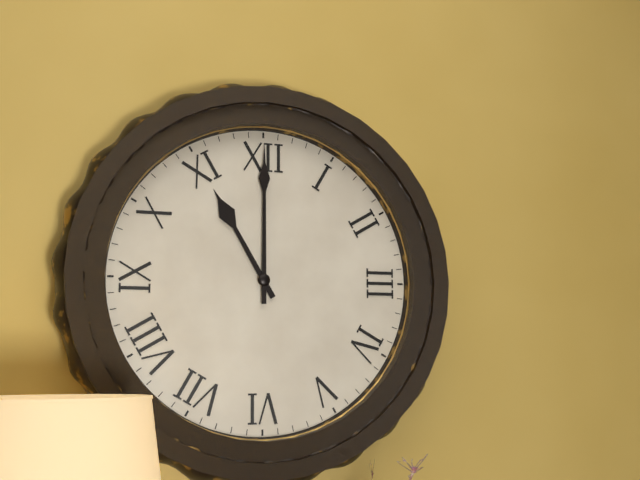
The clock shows 11:00
